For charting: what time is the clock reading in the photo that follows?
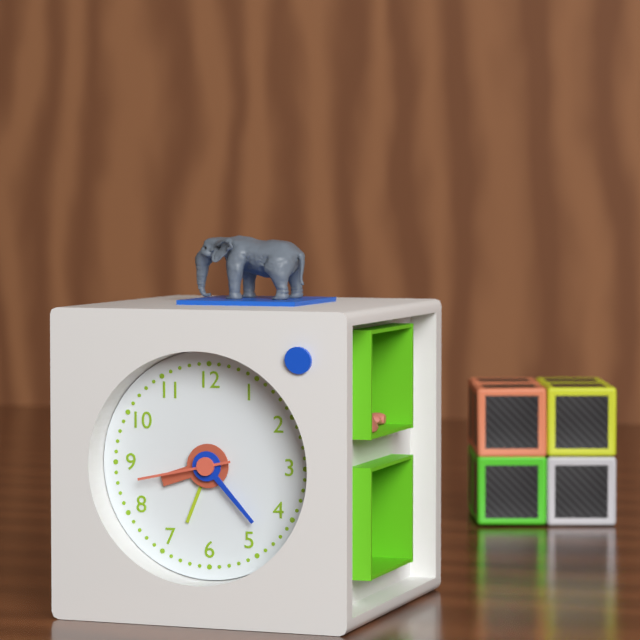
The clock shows 8:23:43
